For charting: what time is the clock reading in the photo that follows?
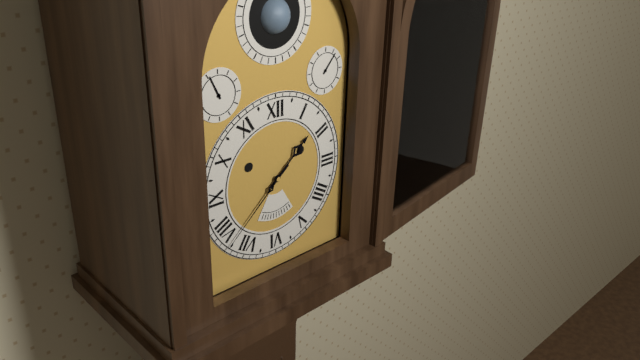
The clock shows 1:38
